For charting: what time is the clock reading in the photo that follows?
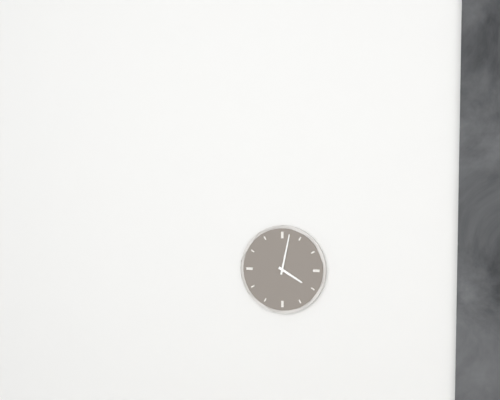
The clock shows 4:02
